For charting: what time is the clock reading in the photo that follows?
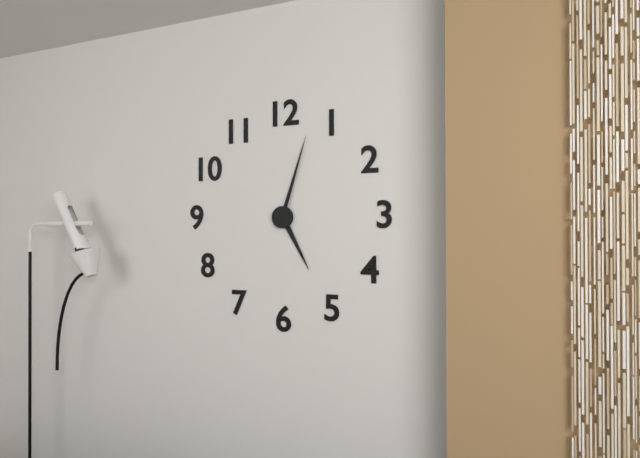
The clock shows 5:03
